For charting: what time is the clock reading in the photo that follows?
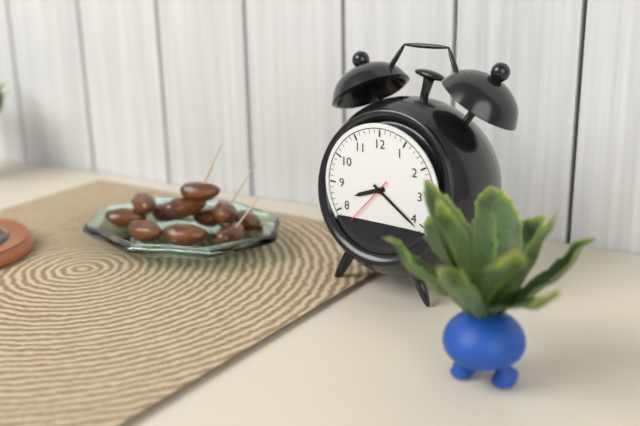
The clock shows 8:21:37
